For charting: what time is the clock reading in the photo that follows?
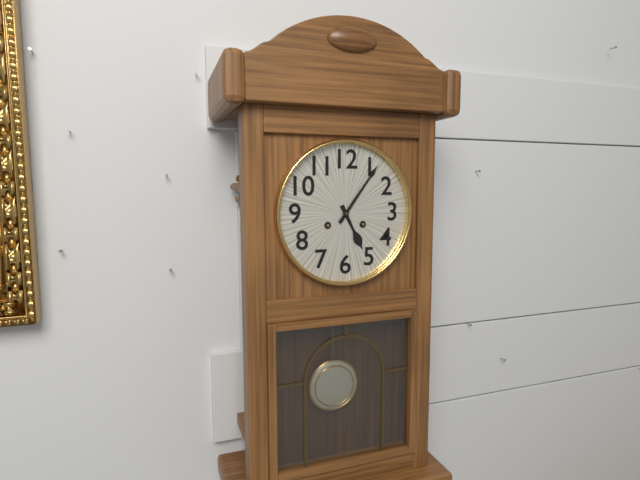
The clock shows 5:06
